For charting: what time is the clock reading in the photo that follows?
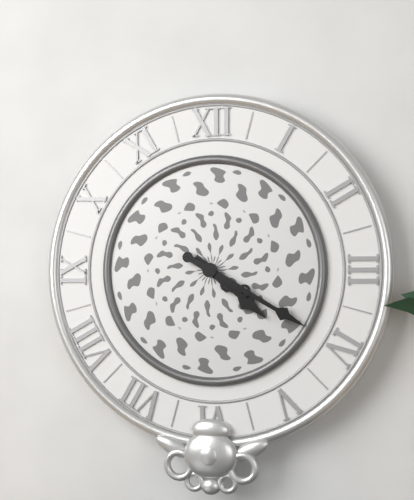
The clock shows 4:20
